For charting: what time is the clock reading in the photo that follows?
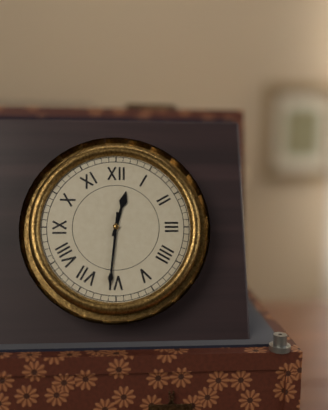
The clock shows 12:31
